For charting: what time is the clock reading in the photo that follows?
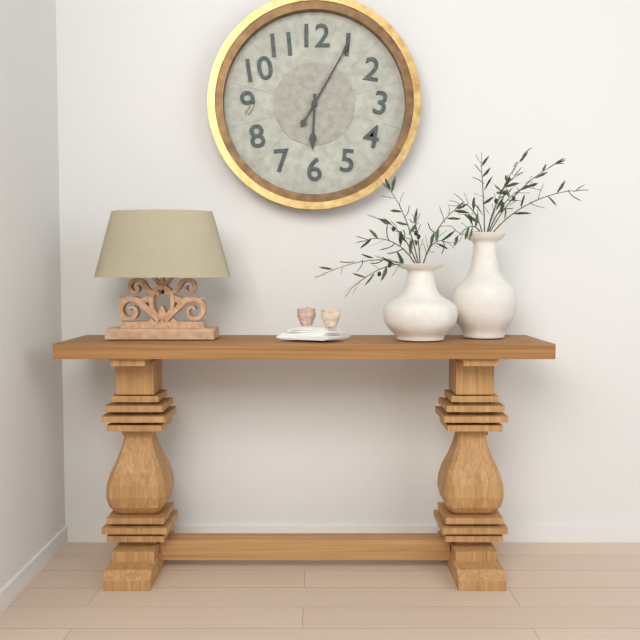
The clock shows 6:05
